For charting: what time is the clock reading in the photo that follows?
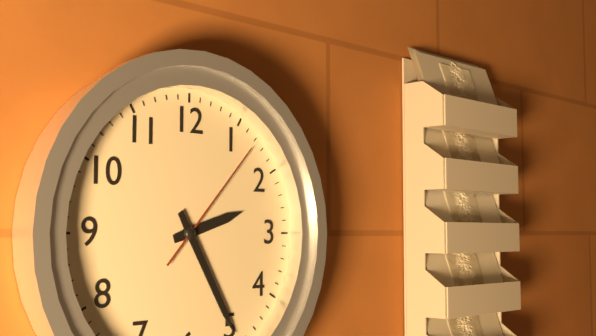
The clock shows 2:25:07
